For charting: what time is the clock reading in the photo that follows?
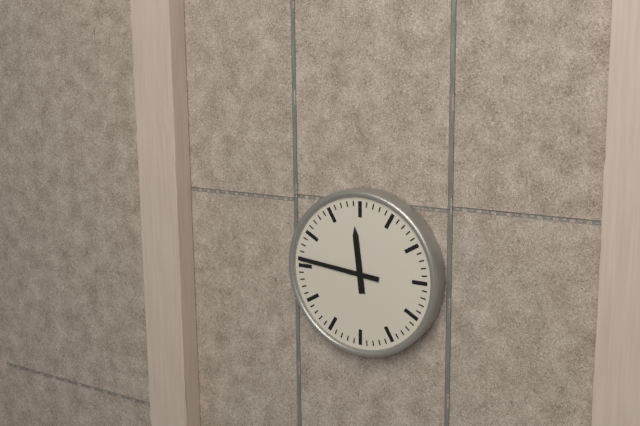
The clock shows 11:46
